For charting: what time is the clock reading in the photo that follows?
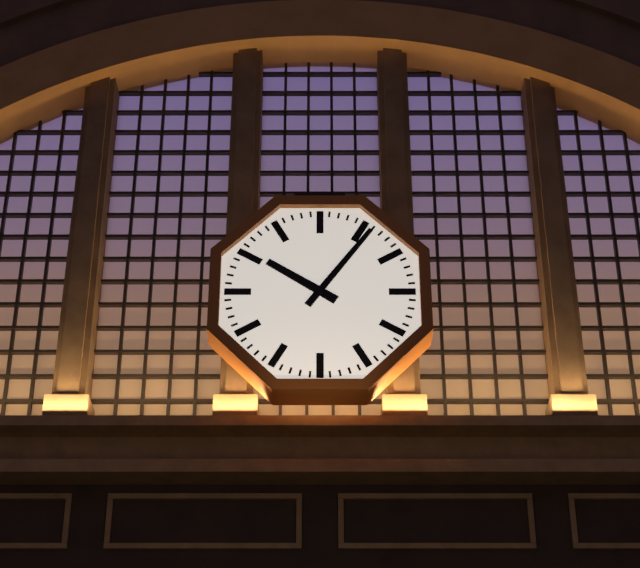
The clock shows 10:06
